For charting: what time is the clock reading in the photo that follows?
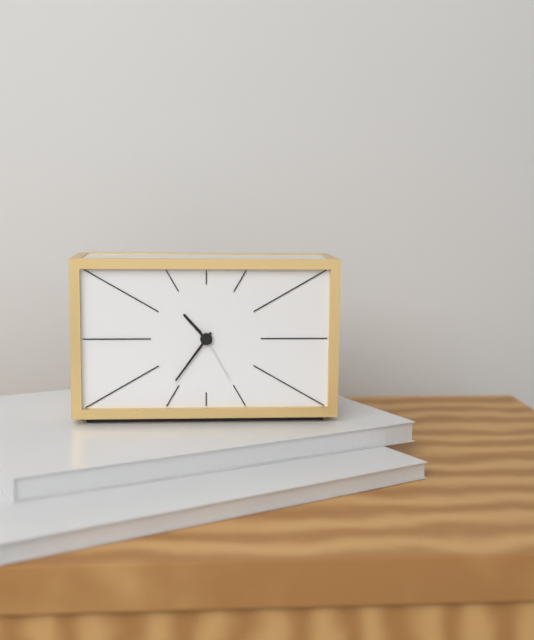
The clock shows 10:36:25
